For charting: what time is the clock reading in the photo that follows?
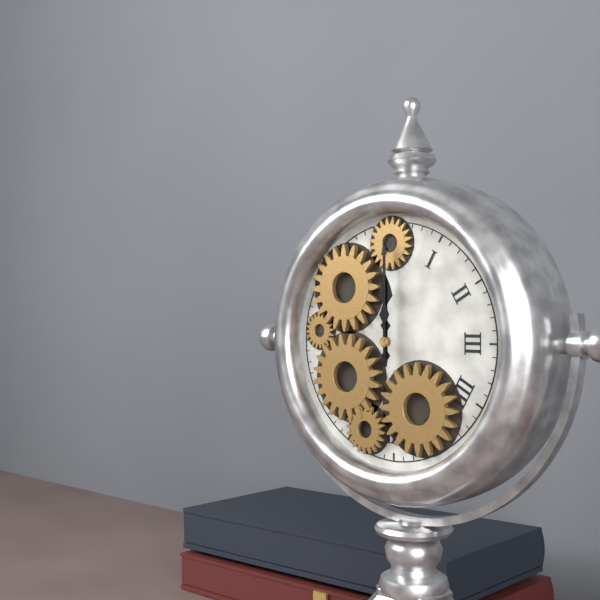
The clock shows 12:00
